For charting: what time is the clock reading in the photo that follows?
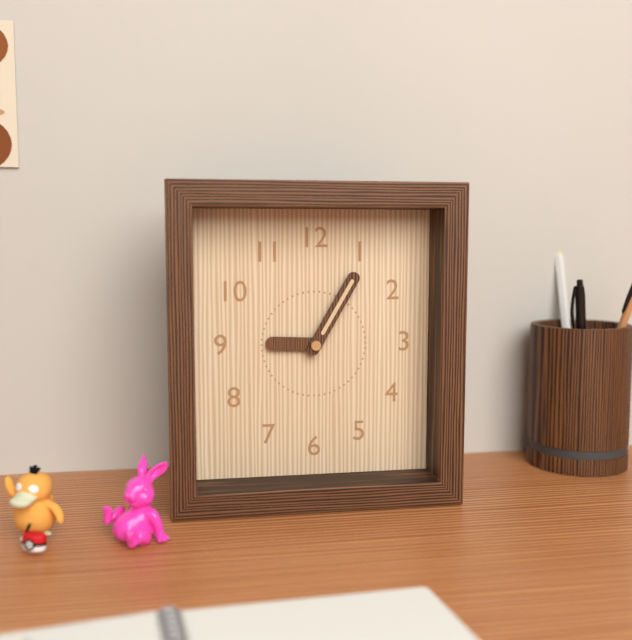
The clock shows 9:05
